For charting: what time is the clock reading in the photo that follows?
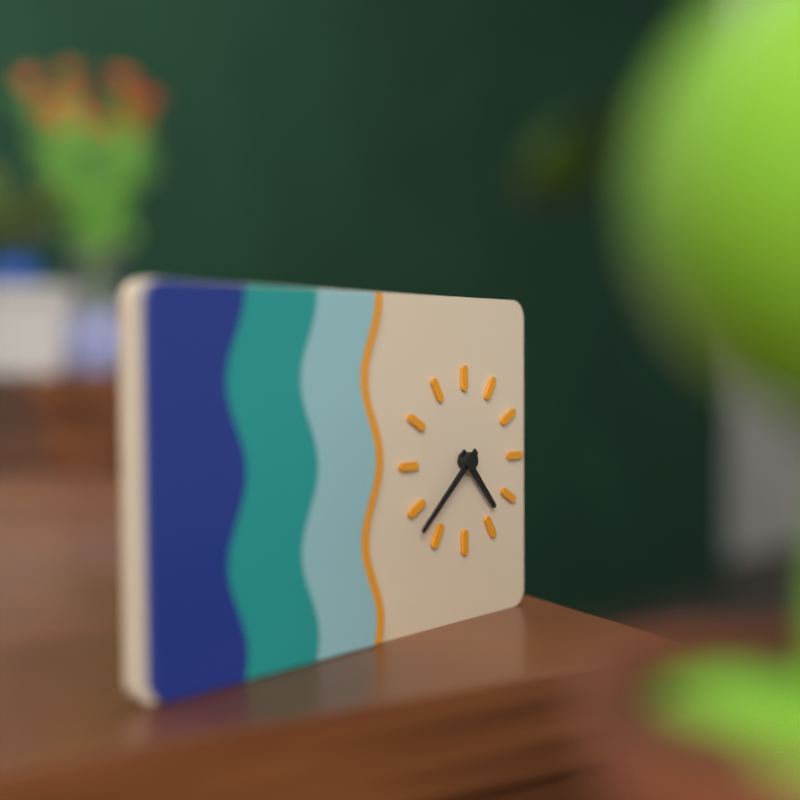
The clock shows 4:38
